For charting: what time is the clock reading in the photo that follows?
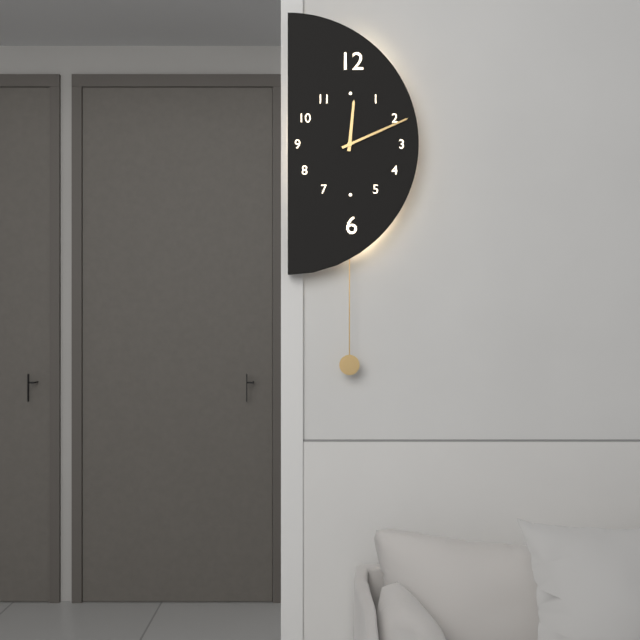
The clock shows 12:11
